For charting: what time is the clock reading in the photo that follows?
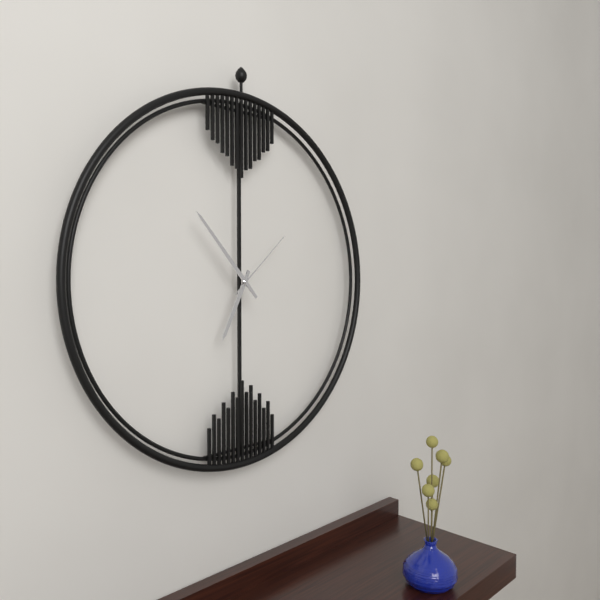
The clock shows 6:53:08
